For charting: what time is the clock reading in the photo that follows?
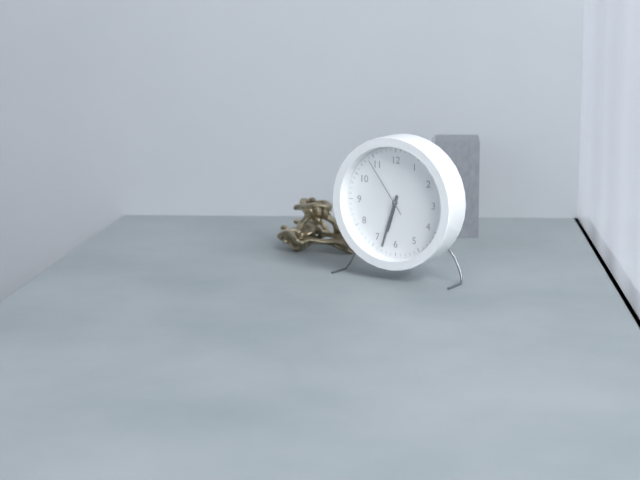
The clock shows 6:33:54
